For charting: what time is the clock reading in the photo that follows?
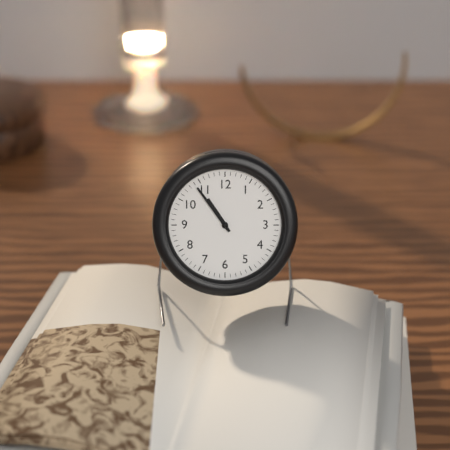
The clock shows 10:54
